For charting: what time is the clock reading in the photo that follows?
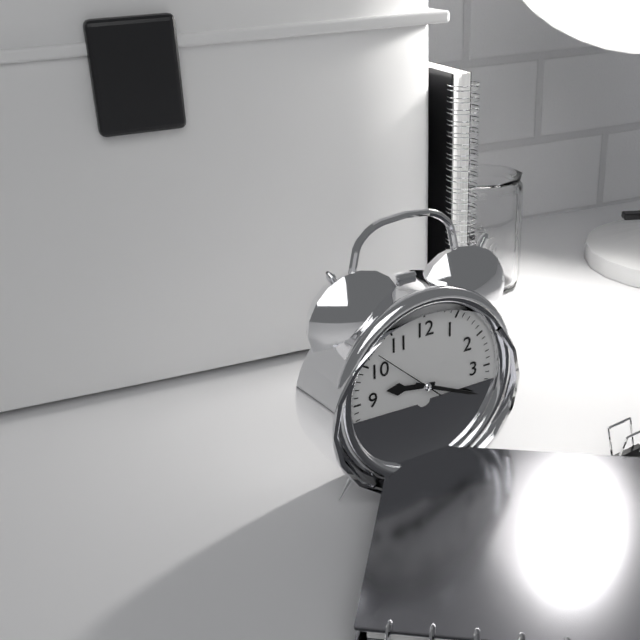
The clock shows 9:19
